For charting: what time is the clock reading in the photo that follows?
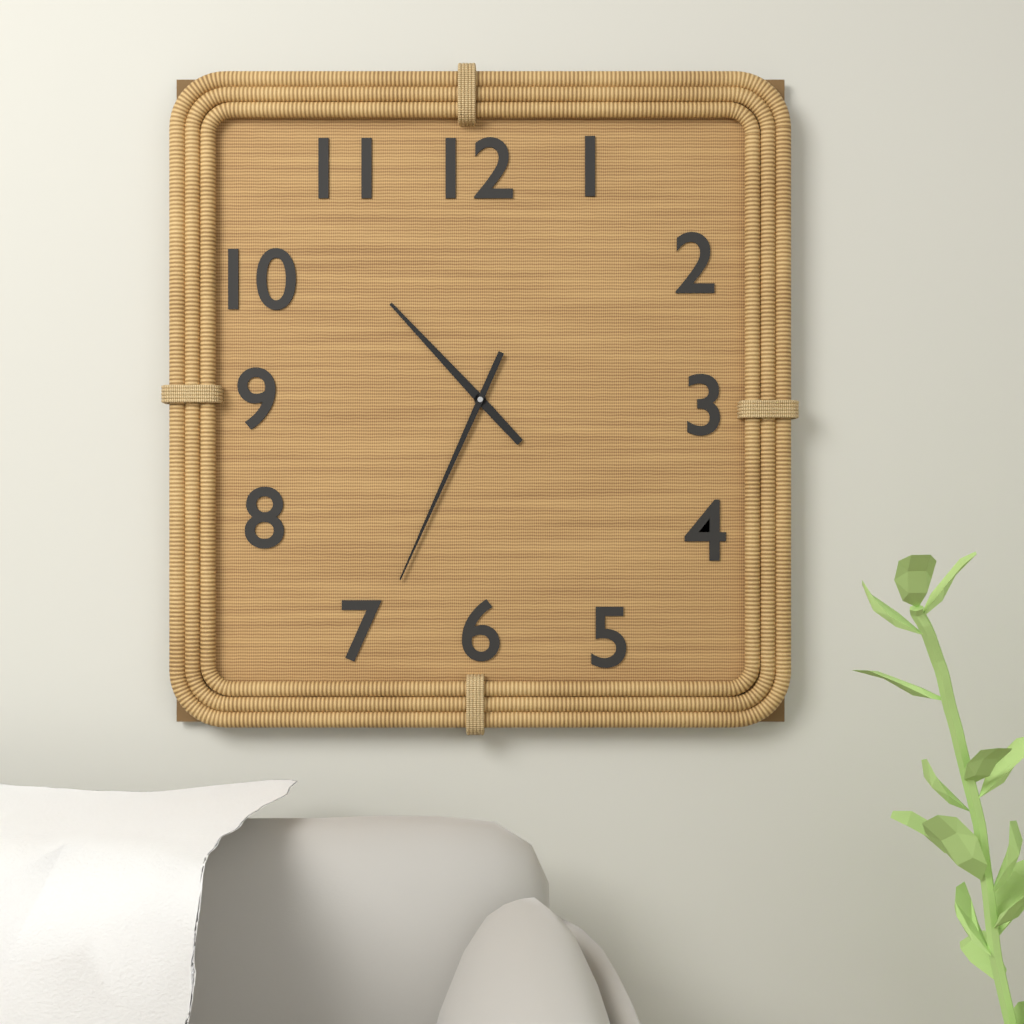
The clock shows 10:34
